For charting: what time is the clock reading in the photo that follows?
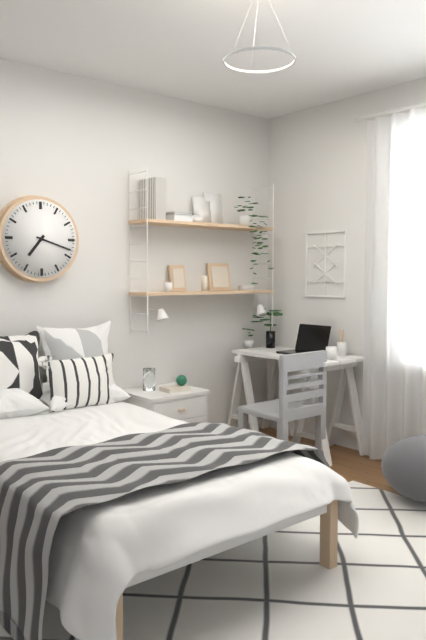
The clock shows 7:18
